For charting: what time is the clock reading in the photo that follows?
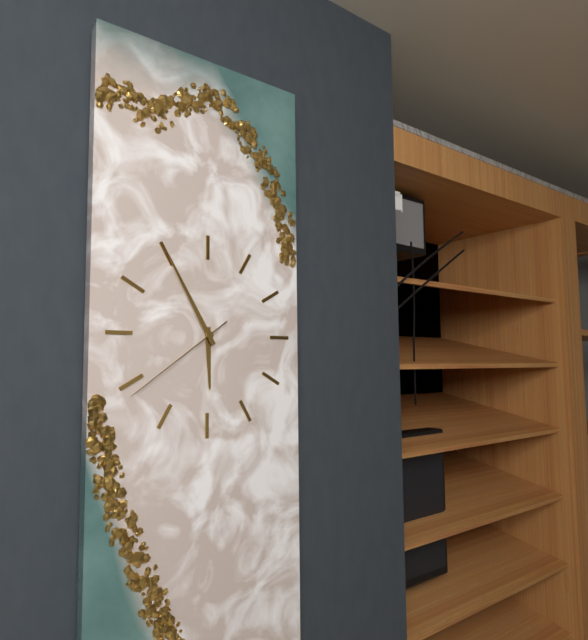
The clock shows 5:55:39
